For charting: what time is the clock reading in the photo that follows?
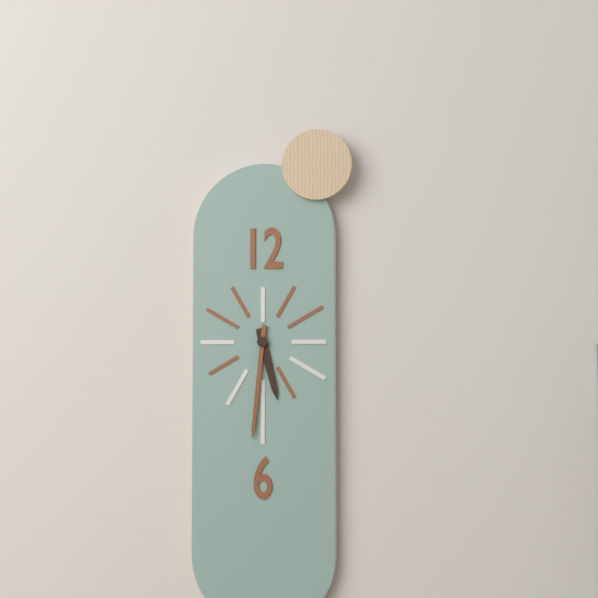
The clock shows 5:31
